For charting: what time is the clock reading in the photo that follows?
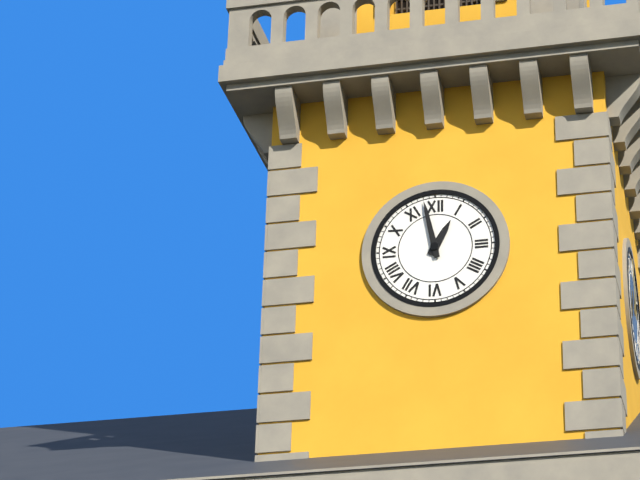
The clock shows 12:58
